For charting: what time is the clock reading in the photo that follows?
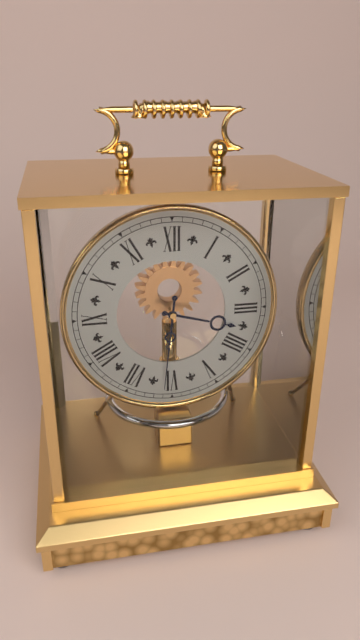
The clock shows 3:31
